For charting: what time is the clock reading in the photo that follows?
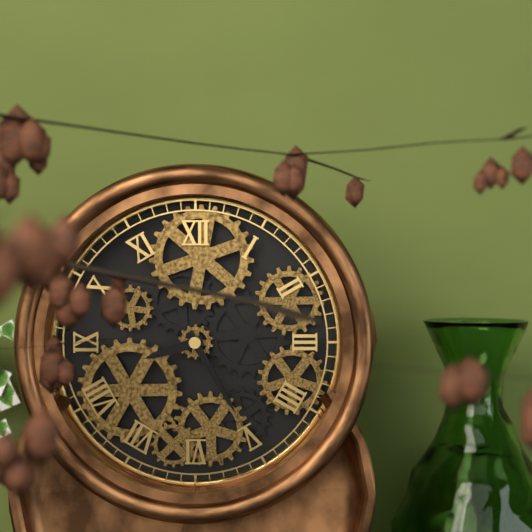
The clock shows 8:25
